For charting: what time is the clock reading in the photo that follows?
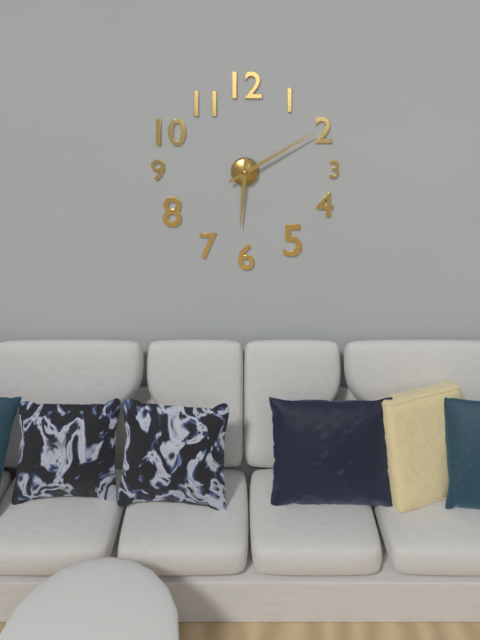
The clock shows 6:10
